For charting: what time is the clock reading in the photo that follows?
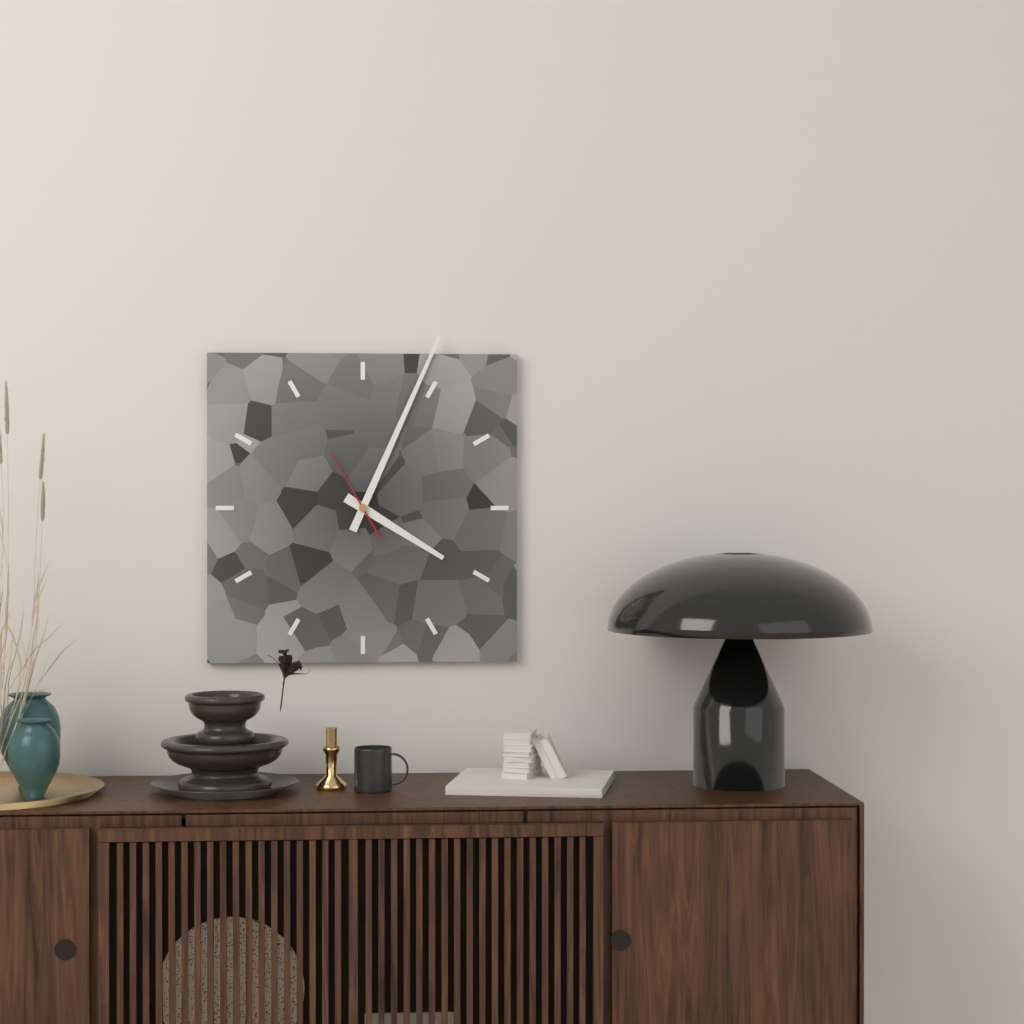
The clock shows 4:04:55
